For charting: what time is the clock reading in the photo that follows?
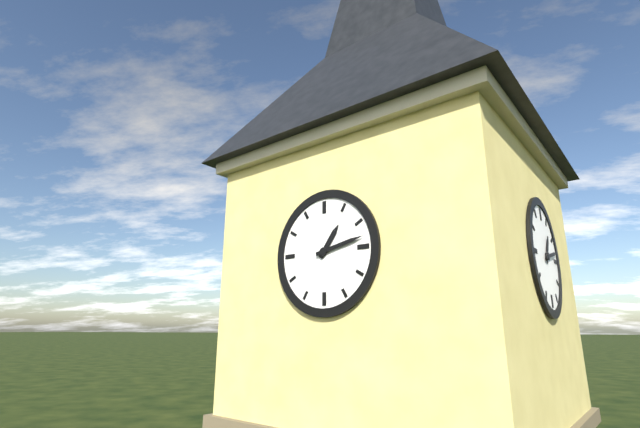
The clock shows 1:13
